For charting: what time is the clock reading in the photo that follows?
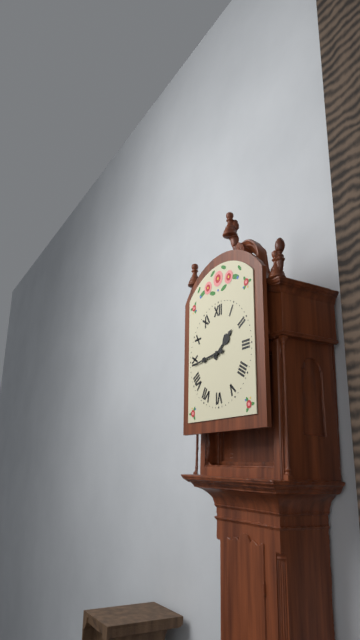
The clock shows 1:44
